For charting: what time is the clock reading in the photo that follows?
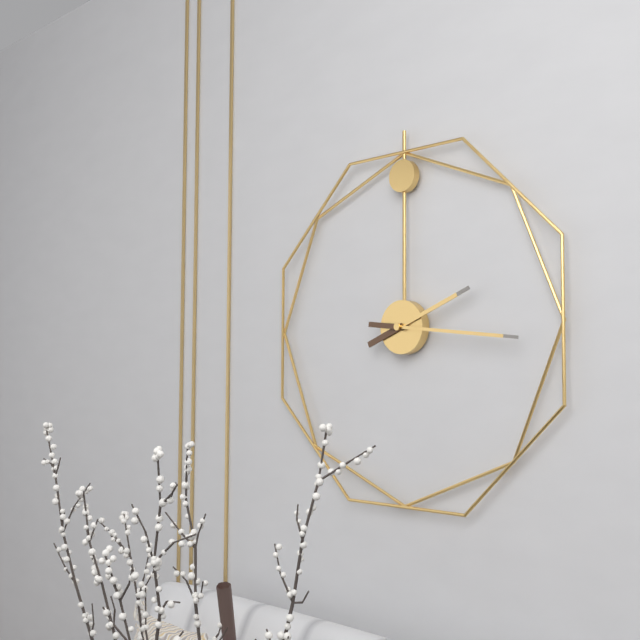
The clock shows 2:16
